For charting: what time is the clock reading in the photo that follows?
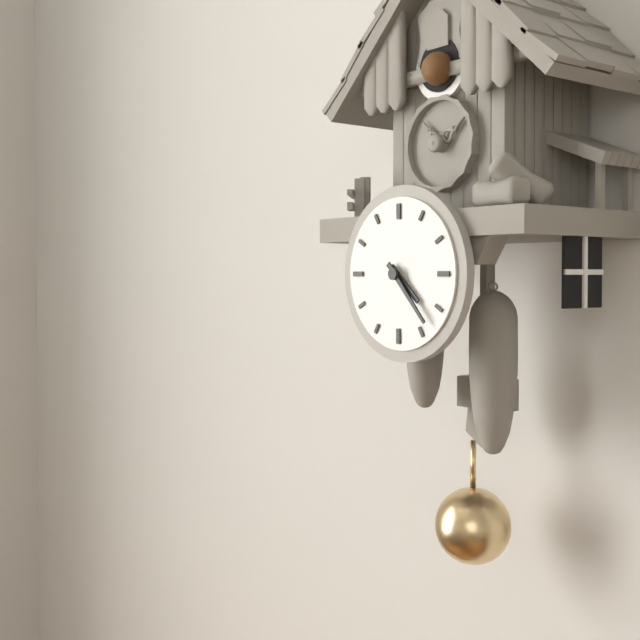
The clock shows 4:23
